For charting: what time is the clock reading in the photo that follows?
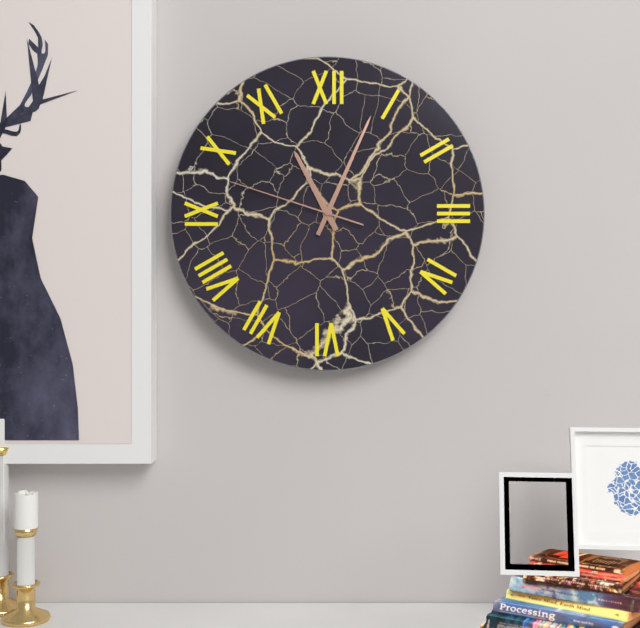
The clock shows 11:04:48
